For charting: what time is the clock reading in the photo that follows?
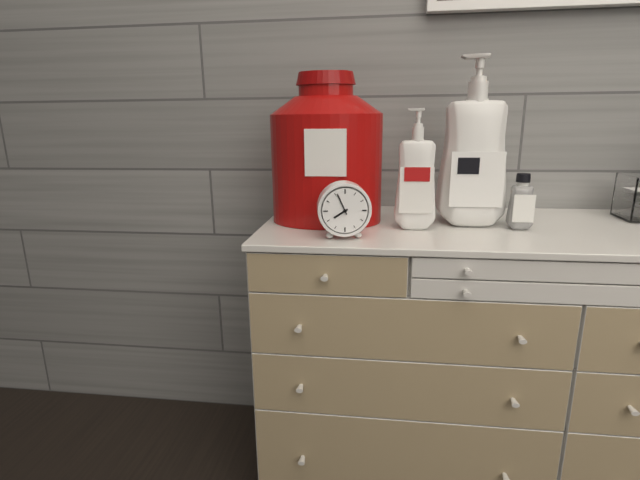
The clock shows 7:56
